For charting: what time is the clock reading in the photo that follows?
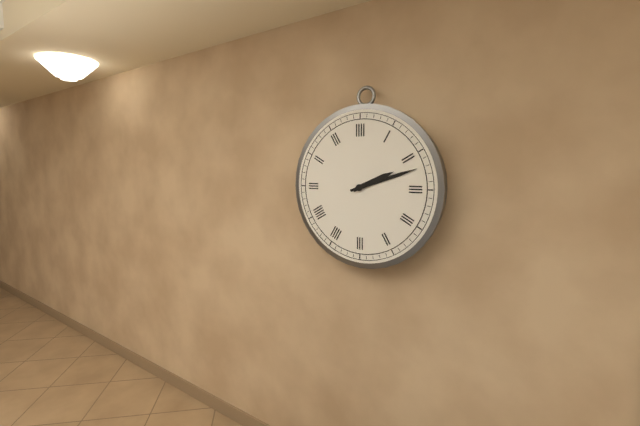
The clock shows 2:12
